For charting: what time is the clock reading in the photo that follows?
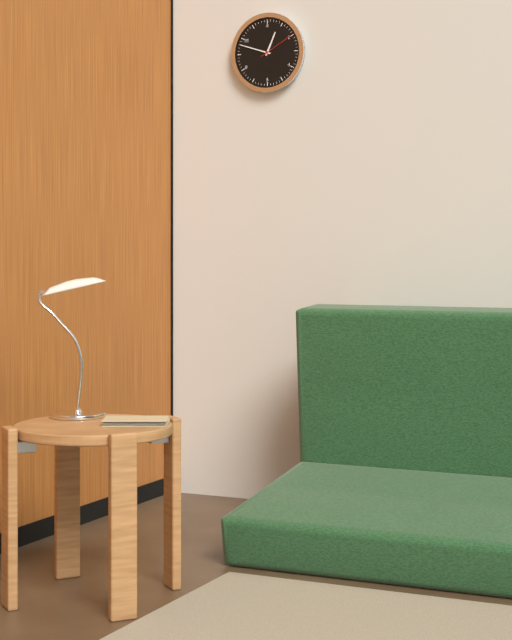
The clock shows 12:48
